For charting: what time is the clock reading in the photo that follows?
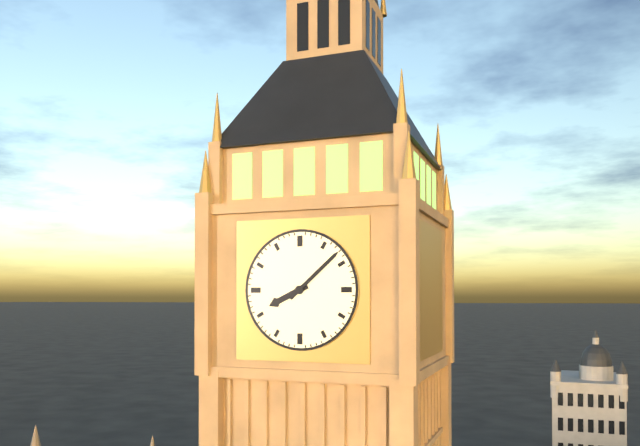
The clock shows 8:08
